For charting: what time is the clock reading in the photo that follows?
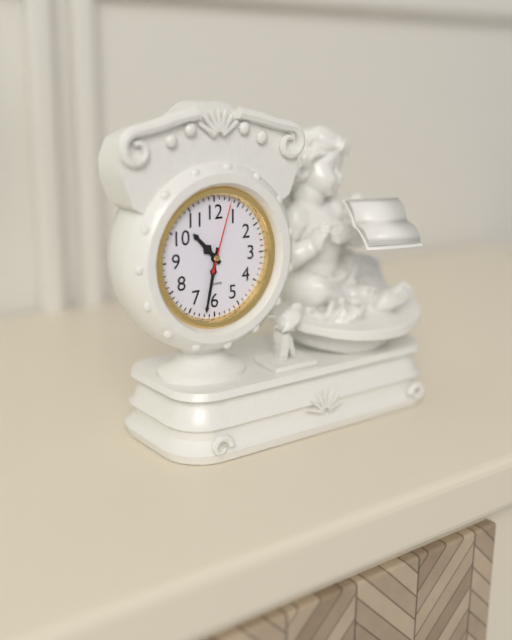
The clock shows 10:32:03
